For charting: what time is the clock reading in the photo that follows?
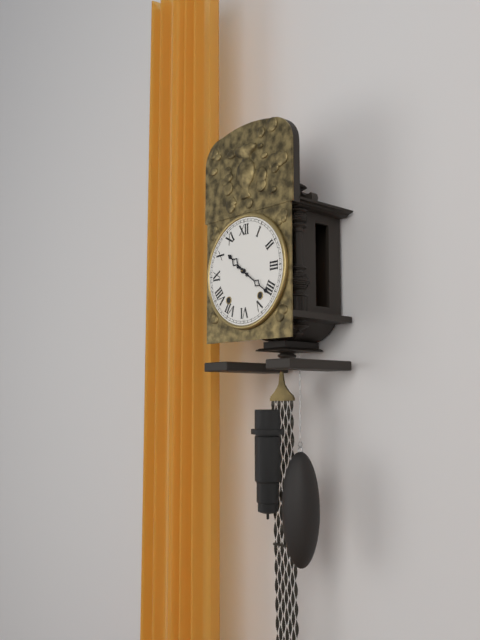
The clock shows 10:21
